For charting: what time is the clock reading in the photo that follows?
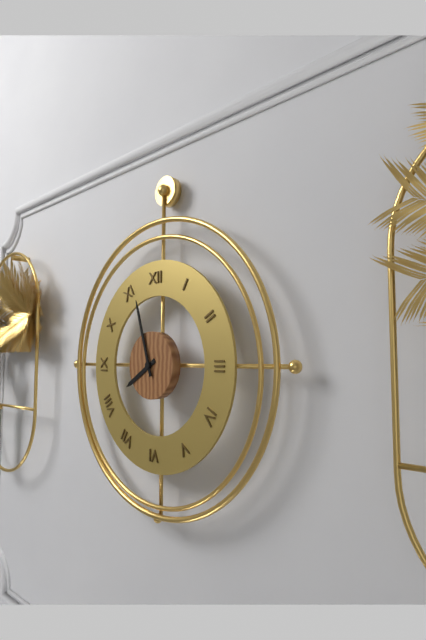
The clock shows 7:57
